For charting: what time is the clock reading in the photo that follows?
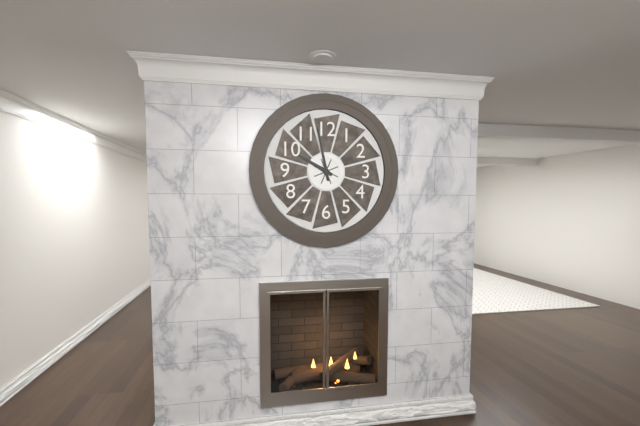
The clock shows 9:58
